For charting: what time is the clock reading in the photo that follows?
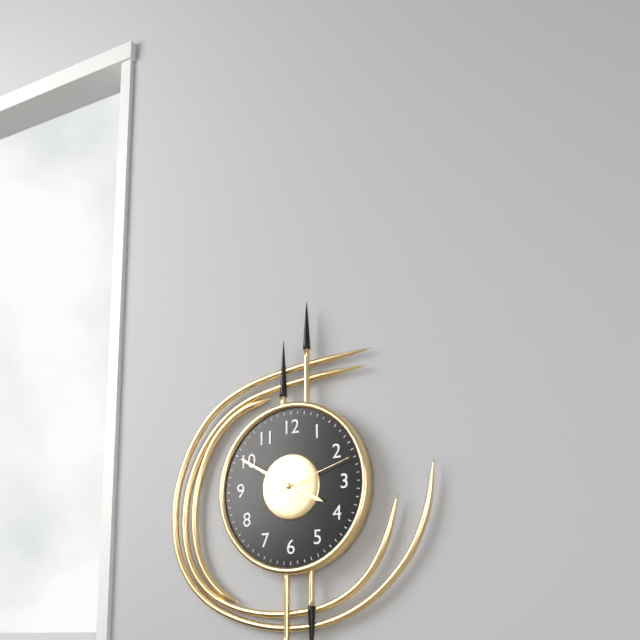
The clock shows 3:50:12
